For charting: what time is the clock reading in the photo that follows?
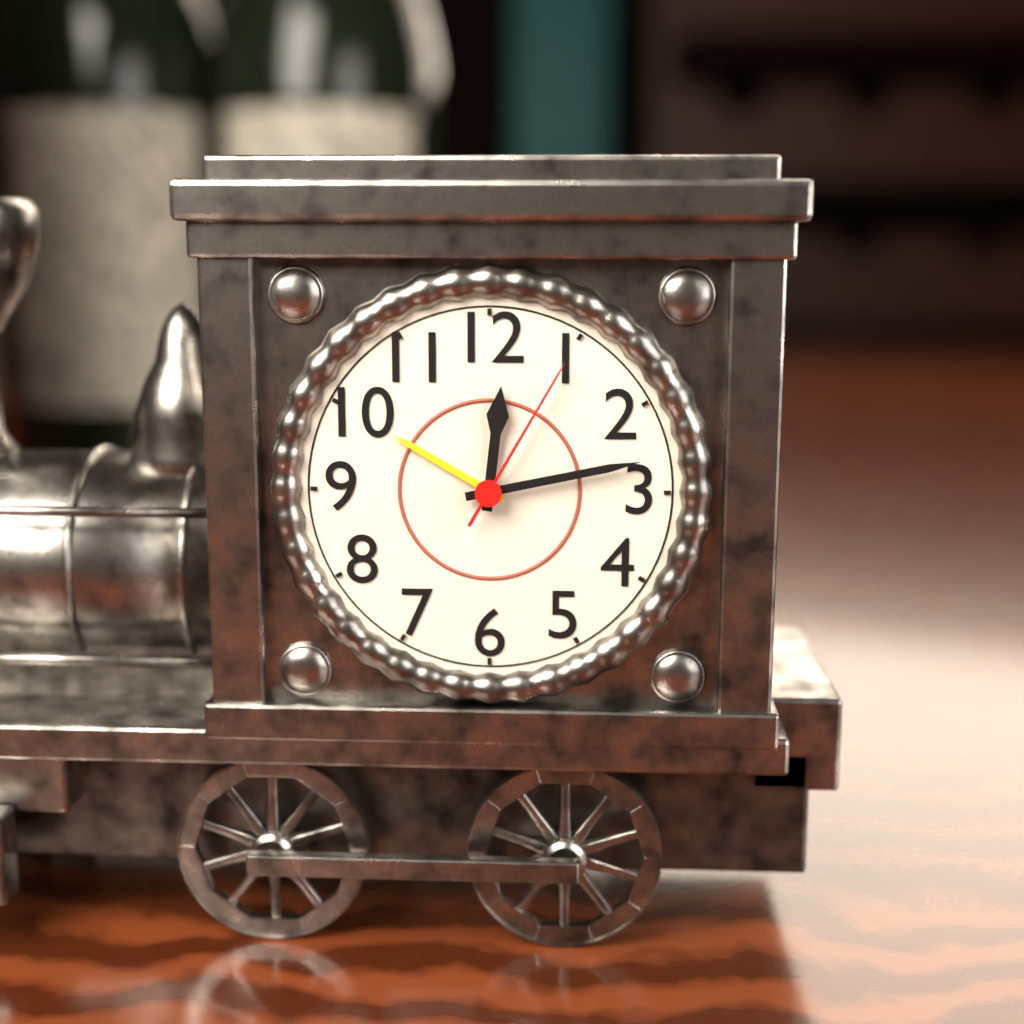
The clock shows 12:13:05
